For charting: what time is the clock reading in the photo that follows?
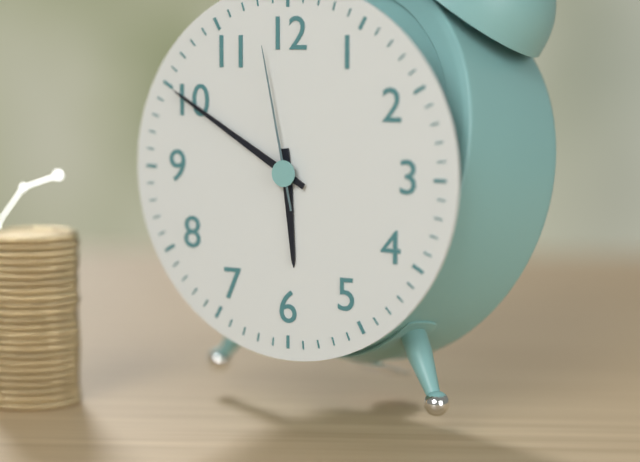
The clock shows 5:50:58
